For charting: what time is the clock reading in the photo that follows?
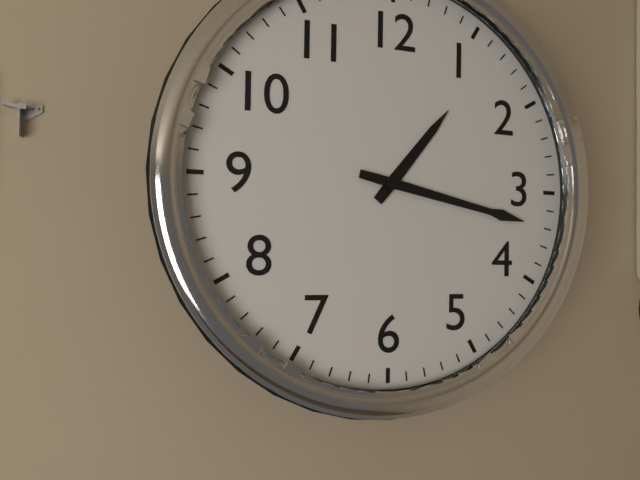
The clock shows 1:17
